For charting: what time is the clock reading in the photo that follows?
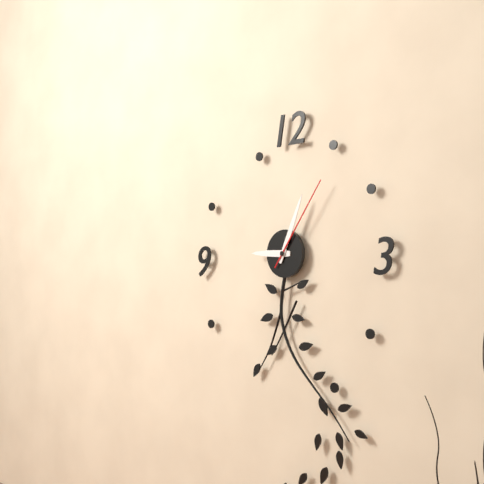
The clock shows 9:04:06
